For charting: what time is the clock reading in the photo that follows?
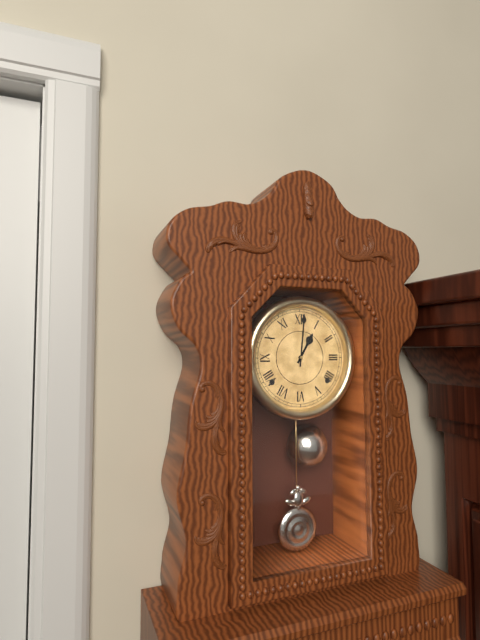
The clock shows 1:01
